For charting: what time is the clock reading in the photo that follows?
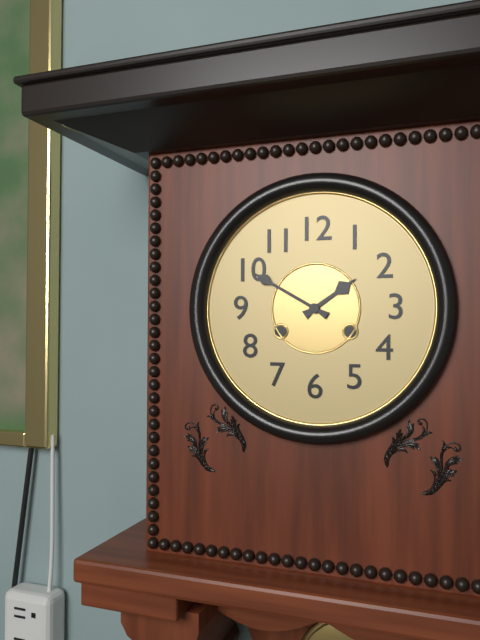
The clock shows 1:50
